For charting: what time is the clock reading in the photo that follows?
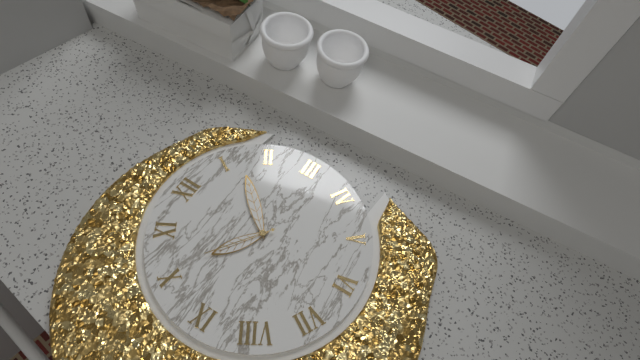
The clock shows 10:07:51
